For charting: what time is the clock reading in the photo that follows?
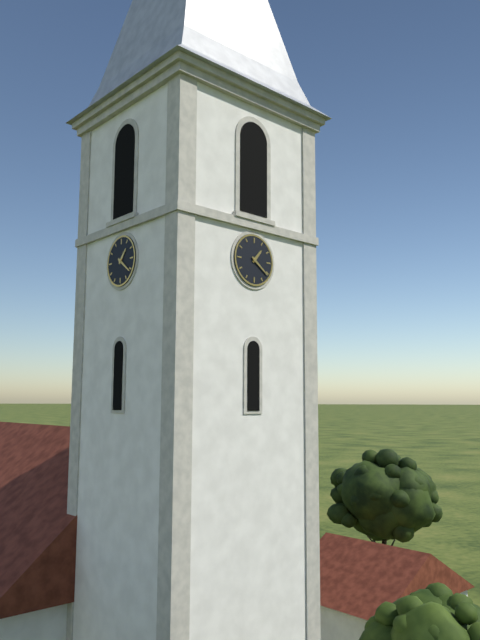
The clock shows 1:21
